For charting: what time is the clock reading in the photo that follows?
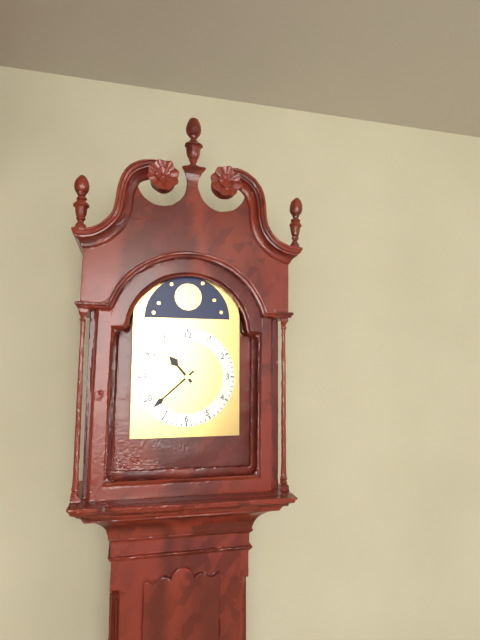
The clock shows 10:38
